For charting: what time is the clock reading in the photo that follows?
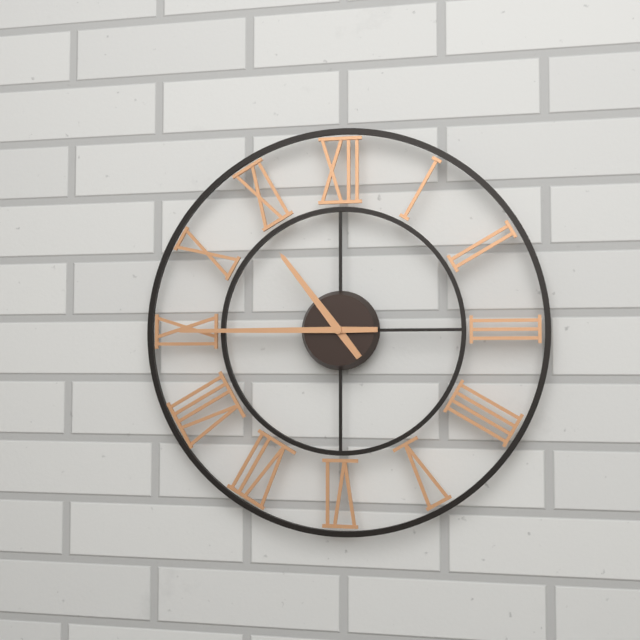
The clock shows 10:45
